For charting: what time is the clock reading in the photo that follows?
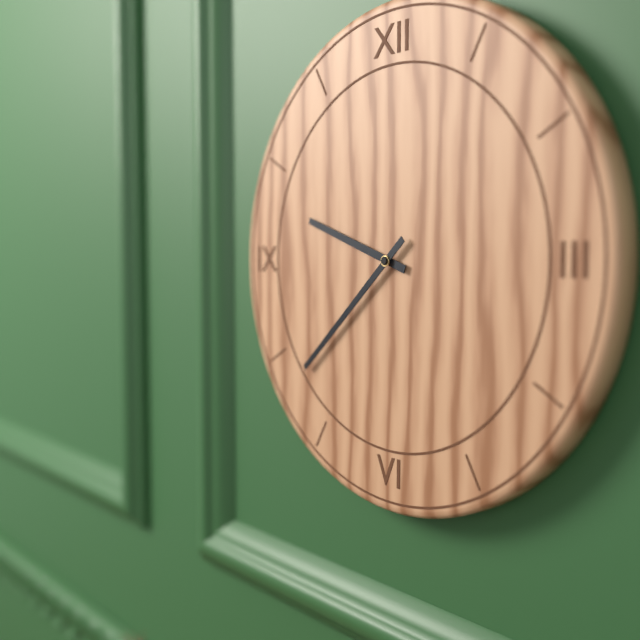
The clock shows 9:38
